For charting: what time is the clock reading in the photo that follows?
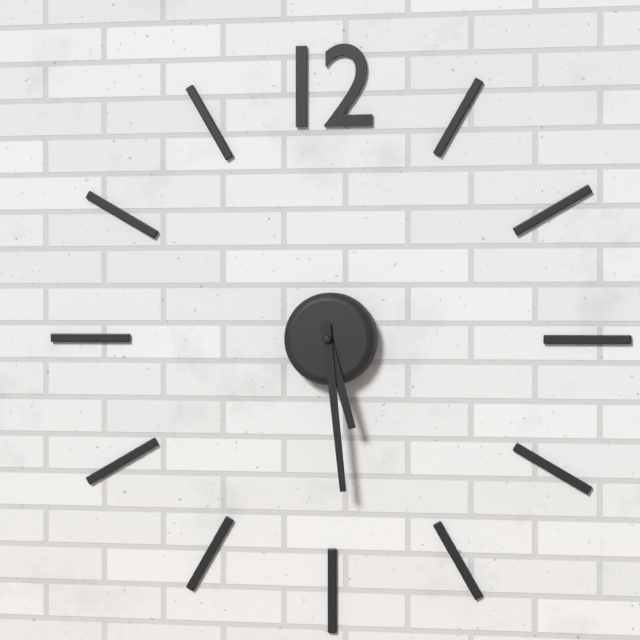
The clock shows 5:29
